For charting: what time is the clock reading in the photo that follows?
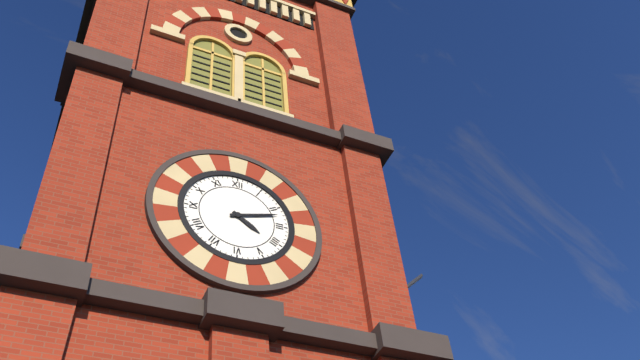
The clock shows 4:12
